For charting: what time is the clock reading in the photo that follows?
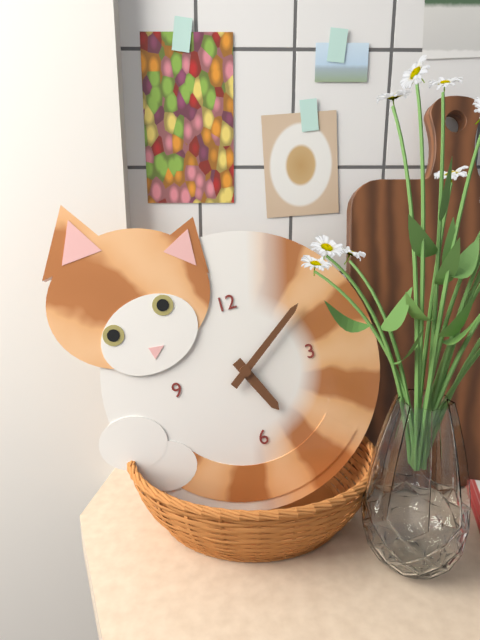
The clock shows 5:09
